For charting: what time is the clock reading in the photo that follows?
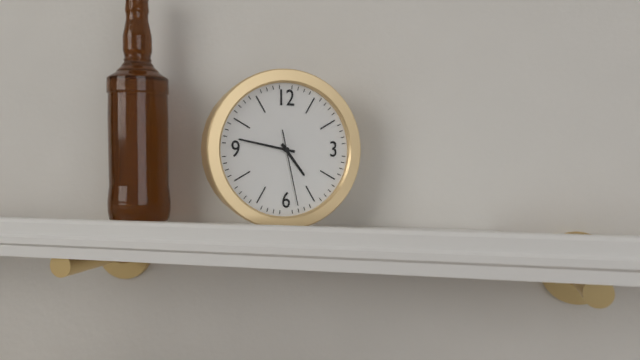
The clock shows 4:47:28
